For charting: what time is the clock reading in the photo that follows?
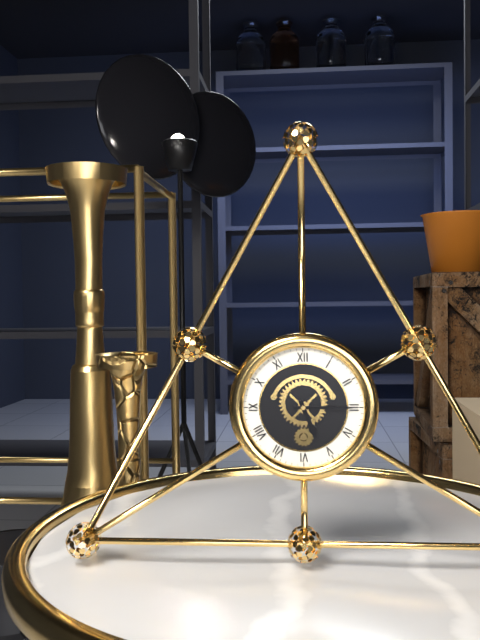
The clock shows 5:15
